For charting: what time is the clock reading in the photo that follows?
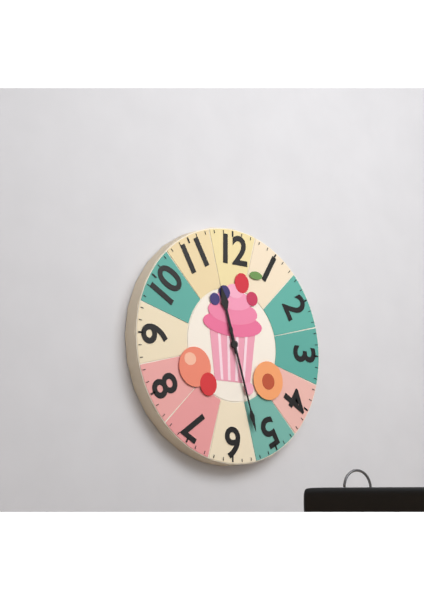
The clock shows 11:27
